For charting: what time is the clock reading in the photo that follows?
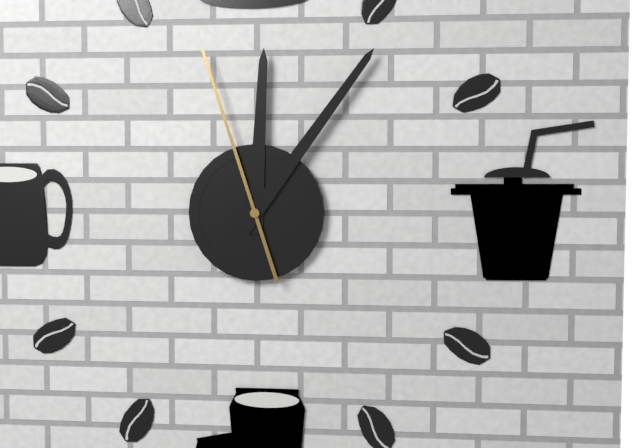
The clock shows 12:06:57
